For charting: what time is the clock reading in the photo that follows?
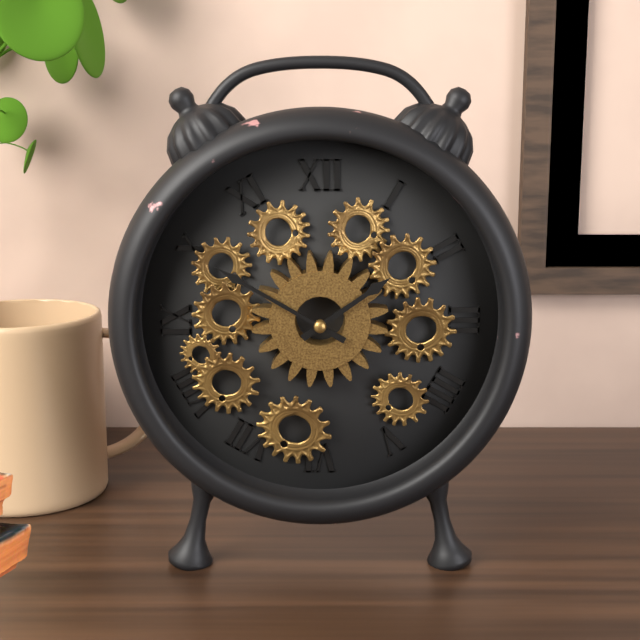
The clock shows 1:50
